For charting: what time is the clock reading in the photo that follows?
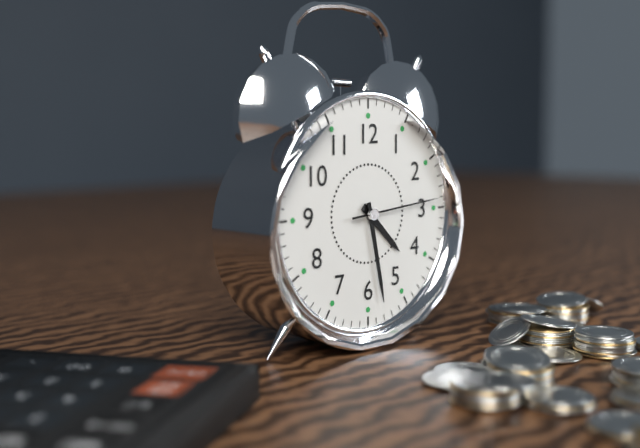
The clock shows 4:28:14
